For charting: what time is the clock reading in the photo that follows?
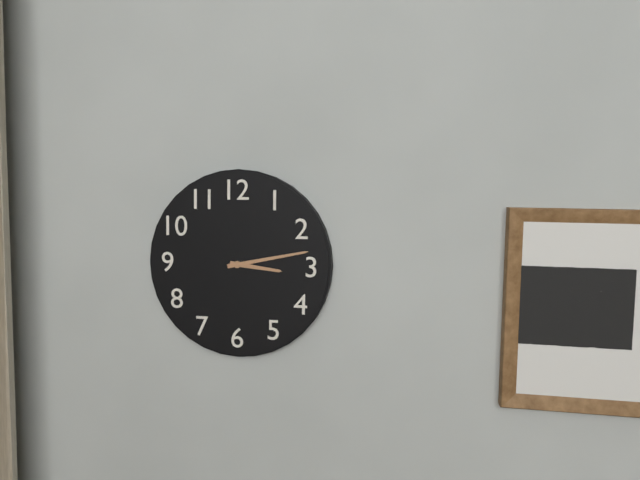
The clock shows 3:13
